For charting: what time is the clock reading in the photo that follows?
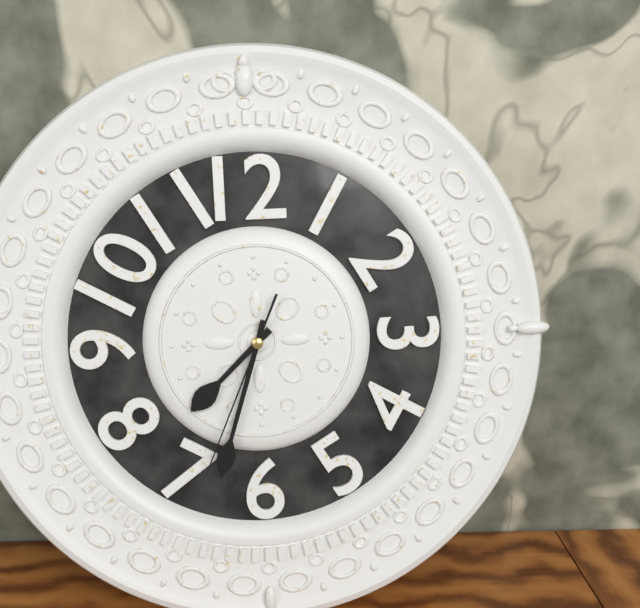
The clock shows 7:33:34
